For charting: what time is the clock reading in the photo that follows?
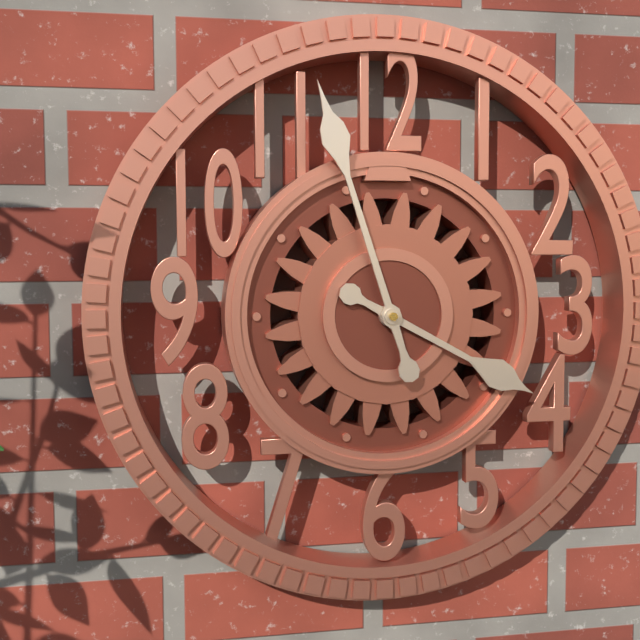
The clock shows 3:57
